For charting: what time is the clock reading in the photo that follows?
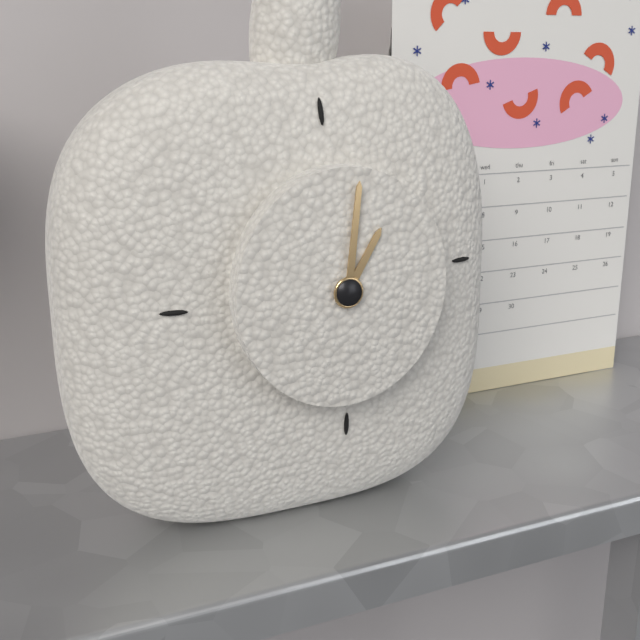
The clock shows 1:01
